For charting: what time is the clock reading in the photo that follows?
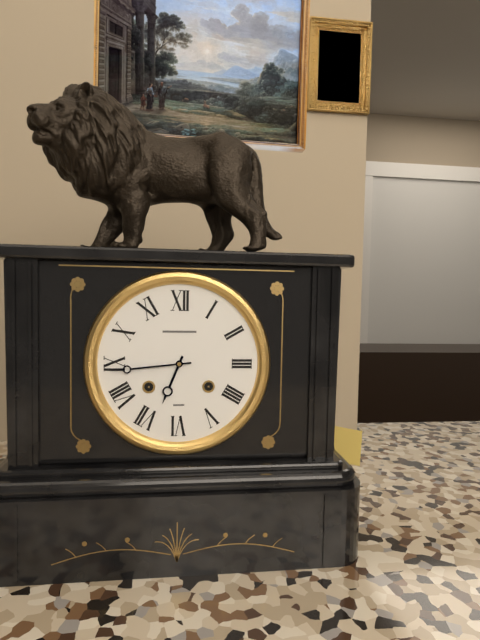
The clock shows 6:44
